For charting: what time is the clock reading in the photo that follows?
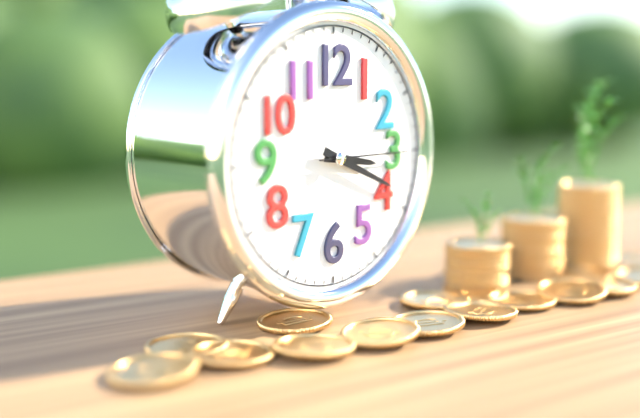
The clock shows 3:19:15
